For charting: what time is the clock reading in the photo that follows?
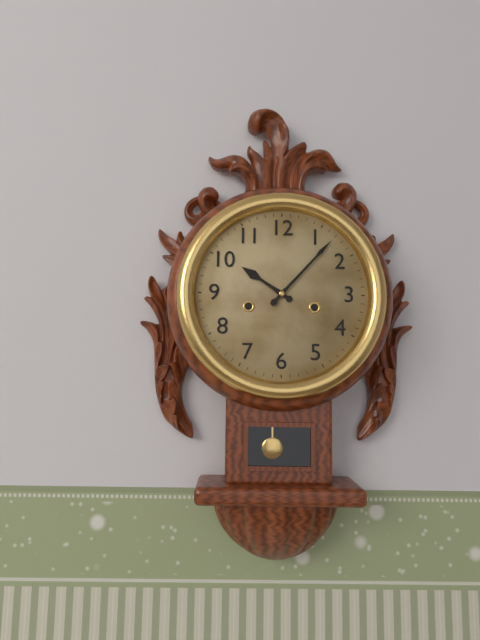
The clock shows 10:07
